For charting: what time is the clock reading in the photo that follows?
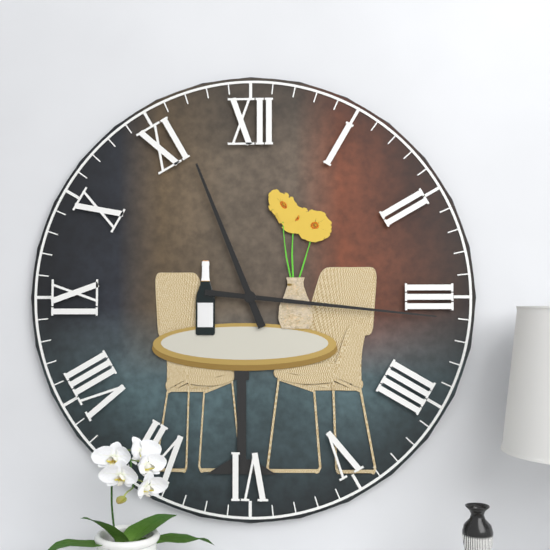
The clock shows 11:16
